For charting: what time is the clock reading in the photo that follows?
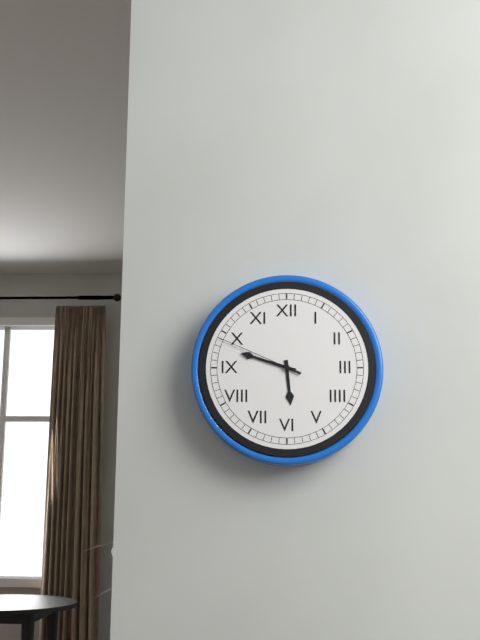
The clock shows 5:48:49
